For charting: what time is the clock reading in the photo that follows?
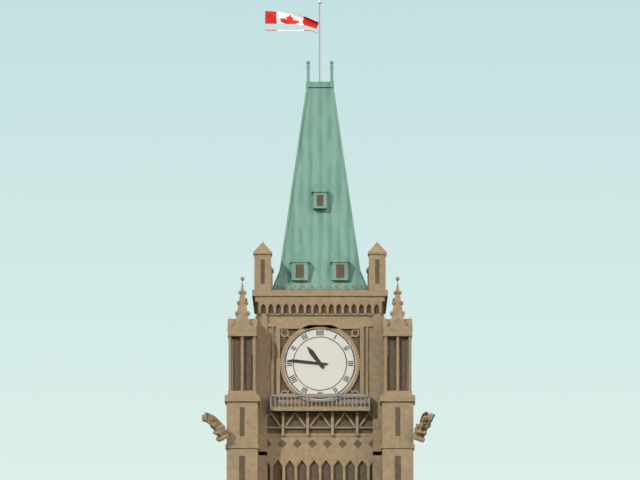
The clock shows 10:46
